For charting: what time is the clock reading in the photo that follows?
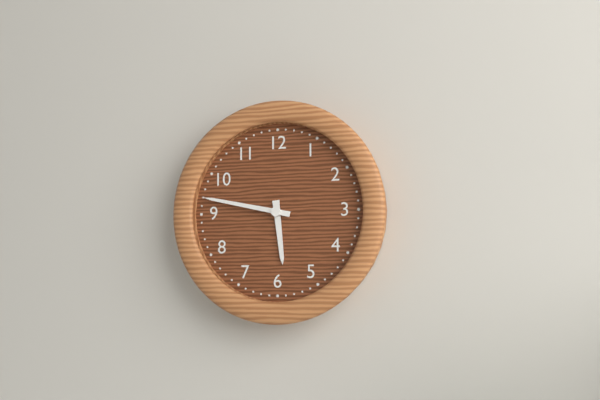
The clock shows 5:47
